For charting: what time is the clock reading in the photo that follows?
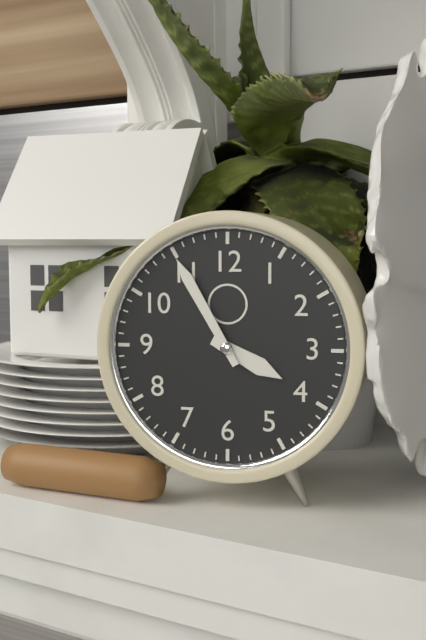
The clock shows 3:55
